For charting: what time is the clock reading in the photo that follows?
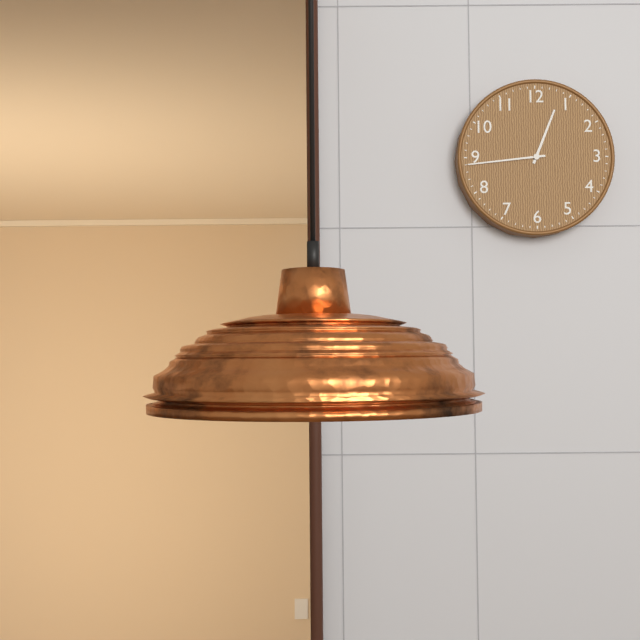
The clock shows 12:44
